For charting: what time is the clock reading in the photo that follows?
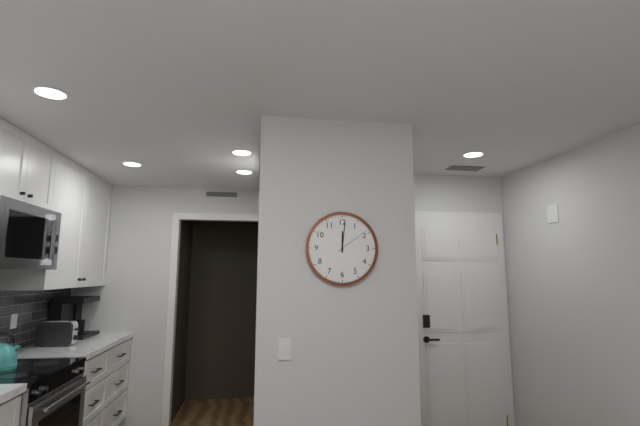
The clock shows 12:01
